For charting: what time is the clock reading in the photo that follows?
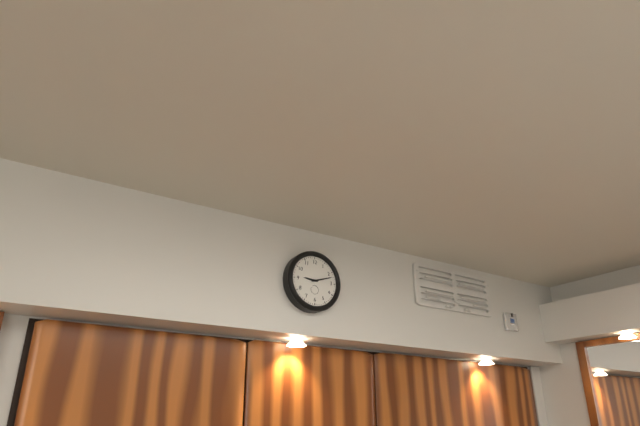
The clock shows 9:12
